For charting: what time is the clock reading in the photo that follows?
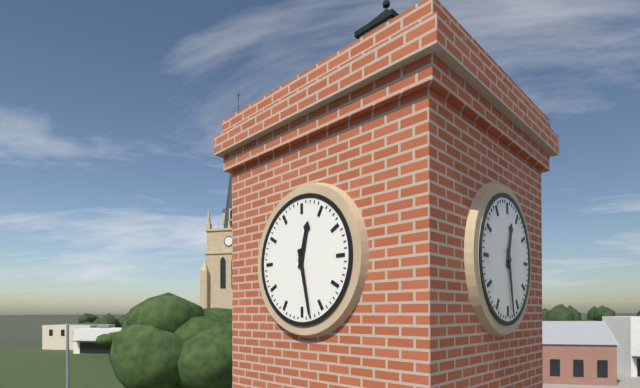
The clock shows 12:28
